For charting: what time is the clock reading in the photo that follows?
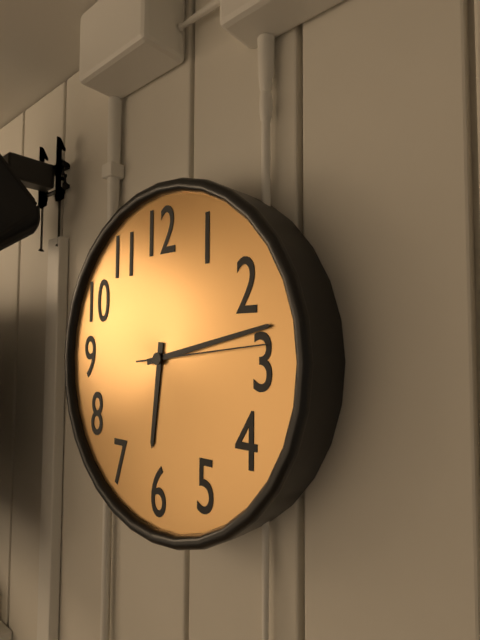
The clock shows 6:13:14
